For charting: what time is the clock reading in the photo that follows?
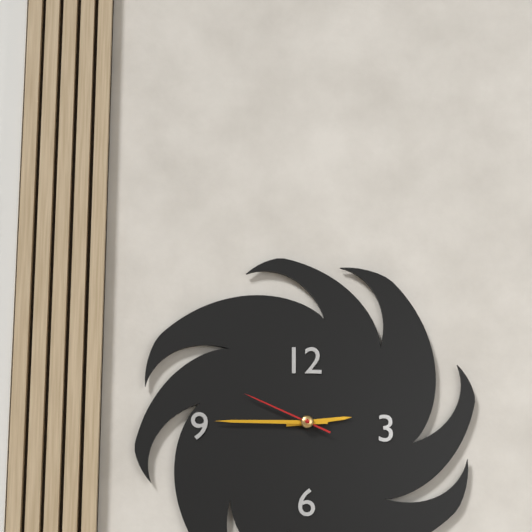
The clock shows 2:45:49
